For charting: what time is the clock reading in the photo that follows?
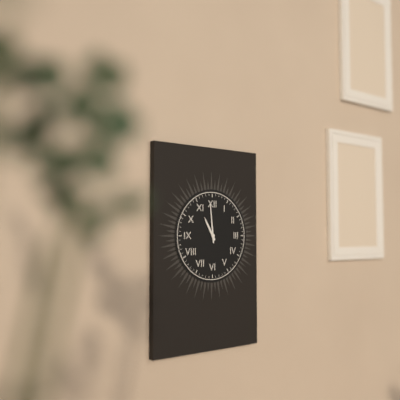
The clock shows 10:59
